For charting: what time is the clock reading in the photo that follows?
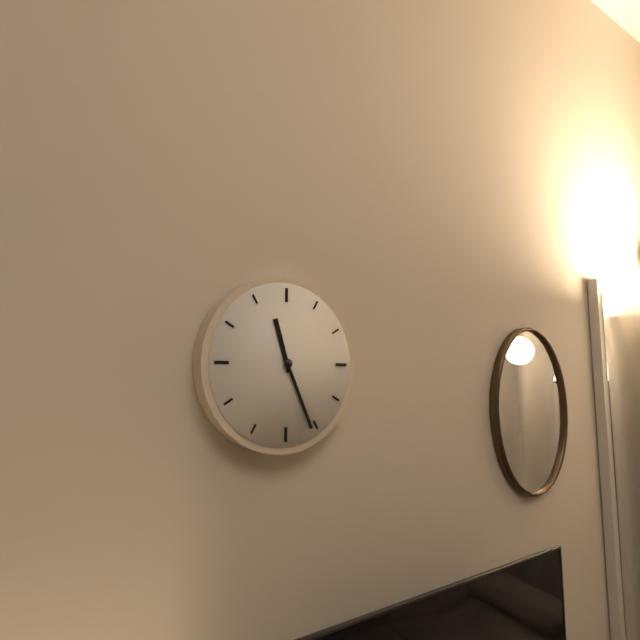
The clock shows 11:26
